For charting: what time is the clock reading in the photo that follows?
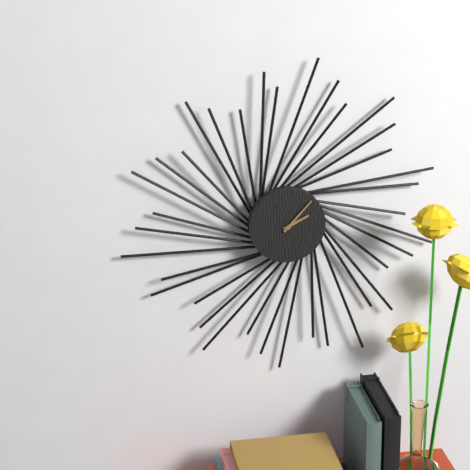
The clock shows 2:07
